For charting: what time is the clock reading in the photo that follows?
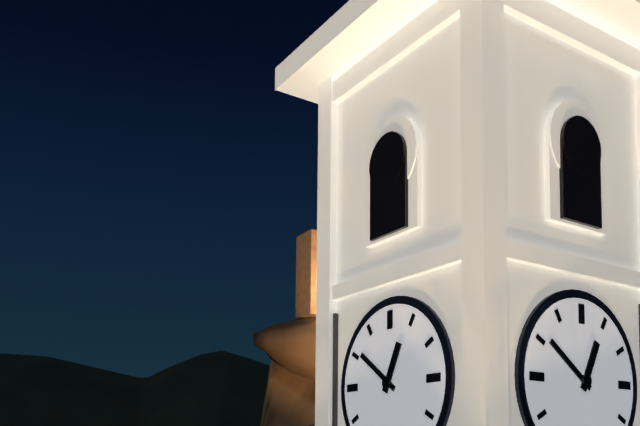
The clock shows 12:51
